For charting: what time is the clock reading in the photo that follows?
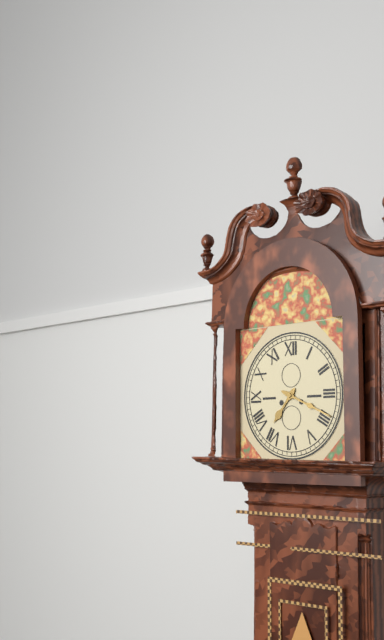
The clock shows 7:19
